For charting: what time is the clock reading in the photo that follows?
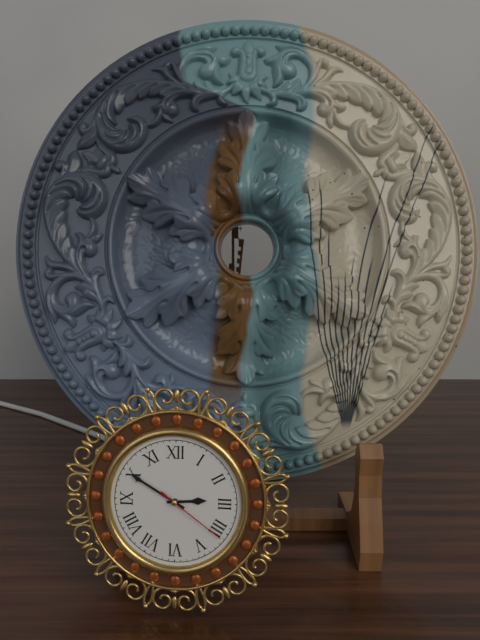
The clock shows 2:50:21
